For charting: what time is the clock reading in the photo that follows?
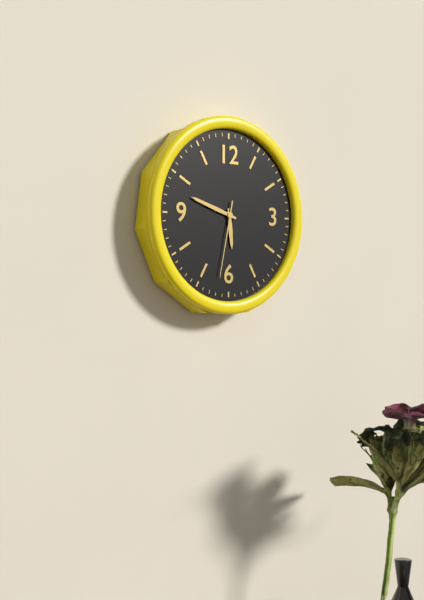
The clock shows 5:48:32
